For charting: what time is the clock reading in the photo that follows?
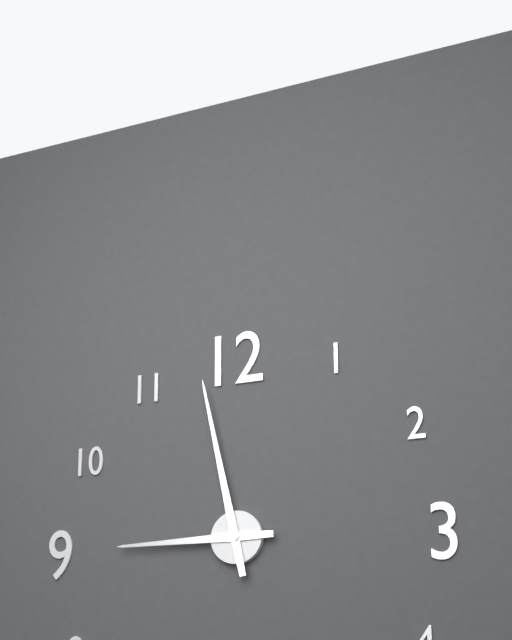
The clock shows 8:58
